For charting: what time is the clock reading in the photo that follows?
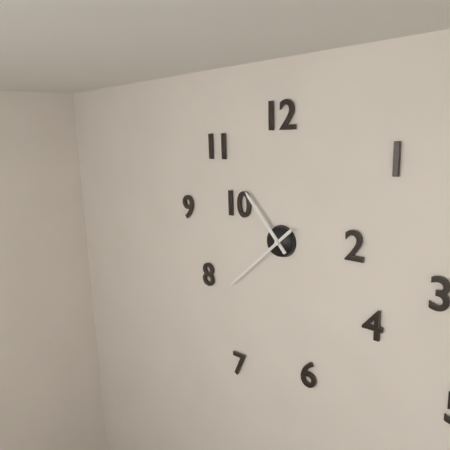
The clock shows 10:38
